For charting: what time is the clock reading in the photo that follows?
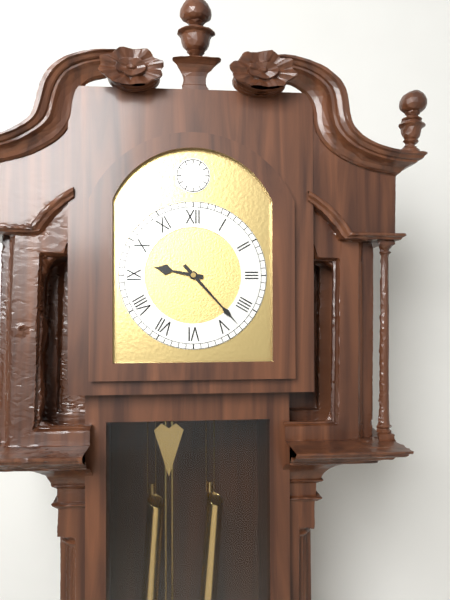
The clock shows 9:23
